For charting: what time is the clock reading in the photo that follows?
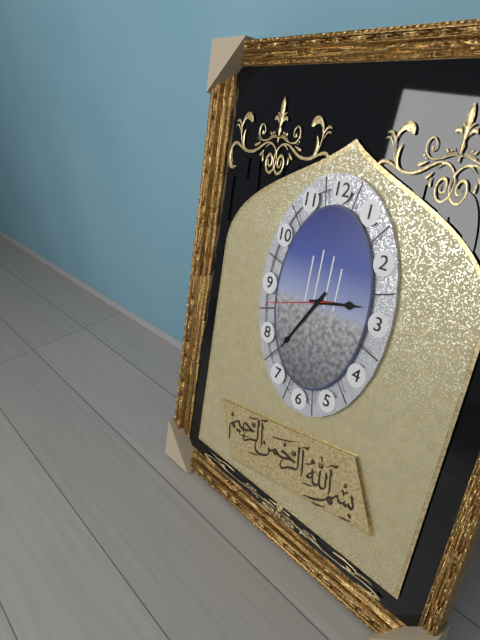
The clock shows 2:35:42
